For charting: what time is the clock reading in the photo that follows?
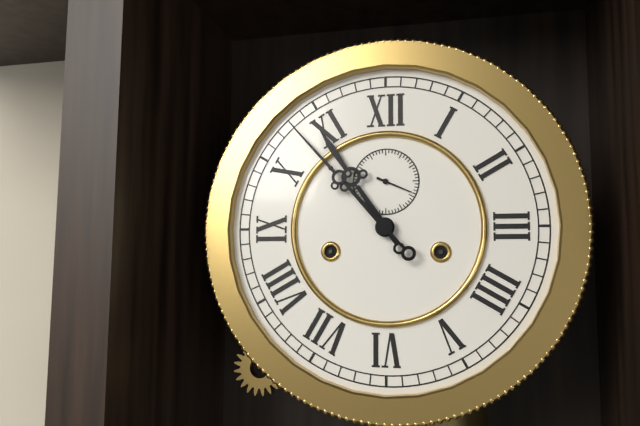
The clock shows 10:53
